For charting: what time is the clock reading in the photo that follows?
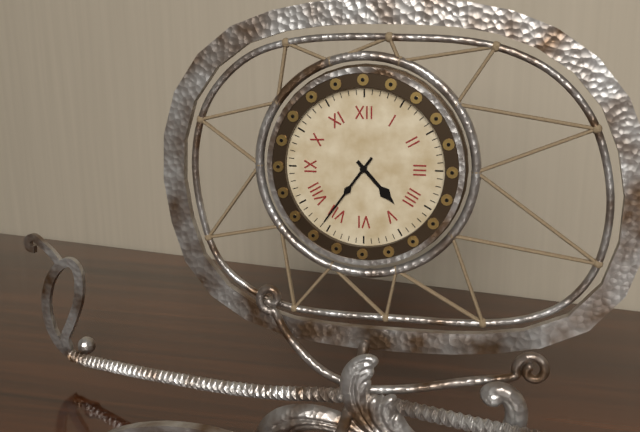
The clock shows 4:36
